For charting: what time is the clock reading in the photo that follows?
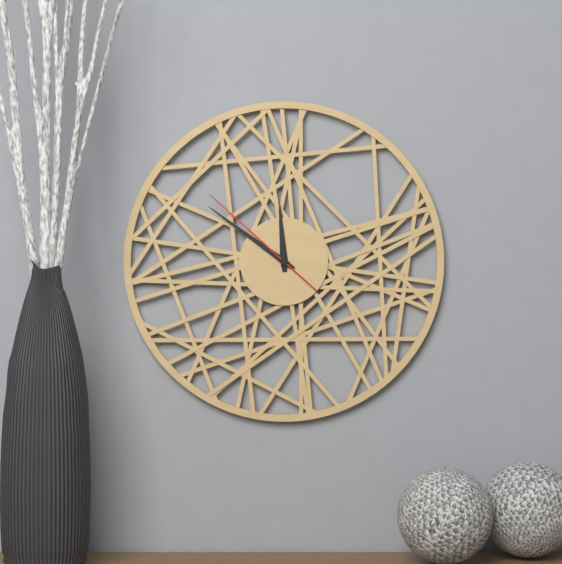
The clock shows 11:51:52
